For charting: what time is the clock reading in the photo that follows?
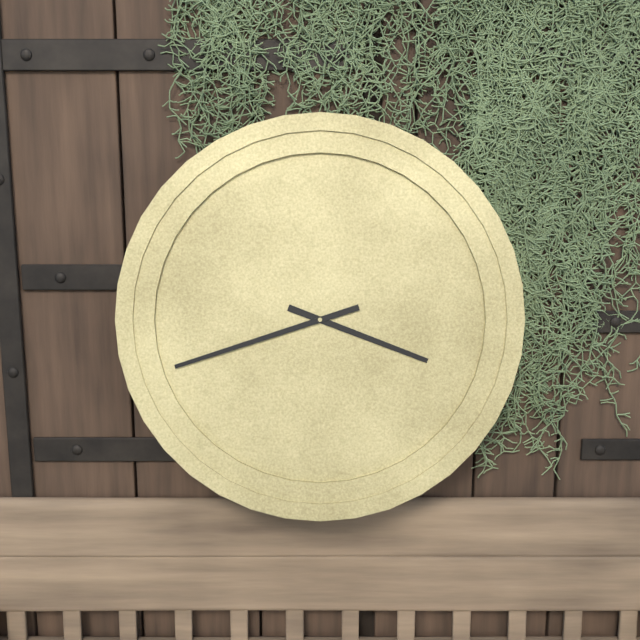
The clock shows 3:42
